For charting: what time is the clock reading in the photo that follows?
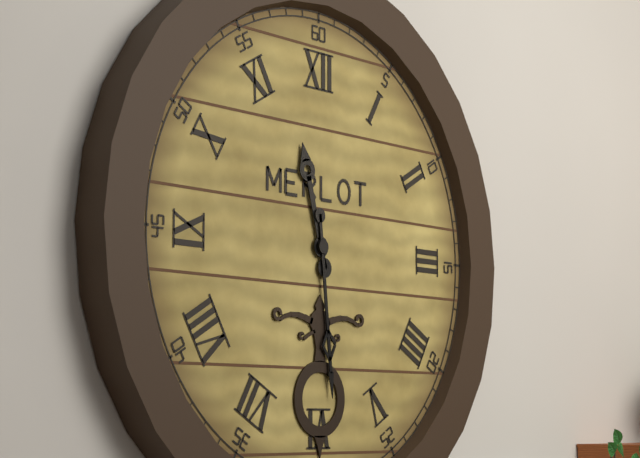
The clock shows 11:29
